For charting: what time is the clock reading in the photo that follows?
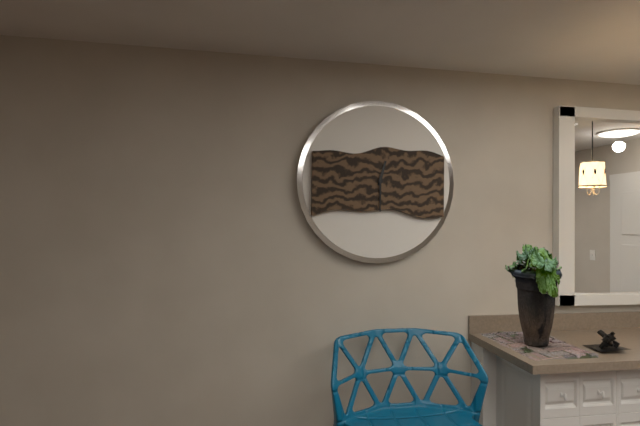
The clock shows 12:30
